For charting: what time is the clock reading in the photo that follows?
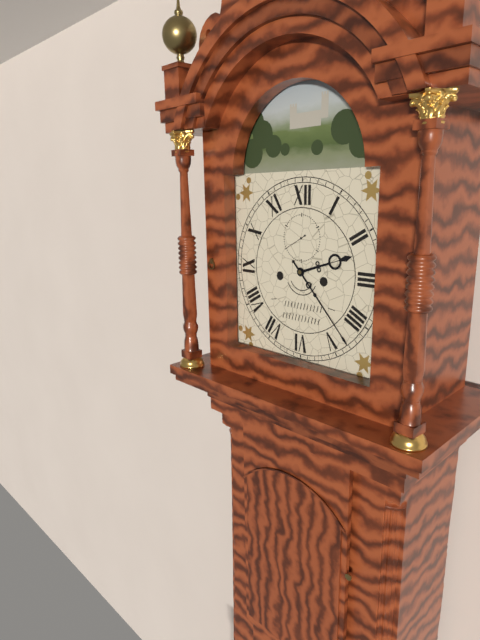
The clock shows 2:23
